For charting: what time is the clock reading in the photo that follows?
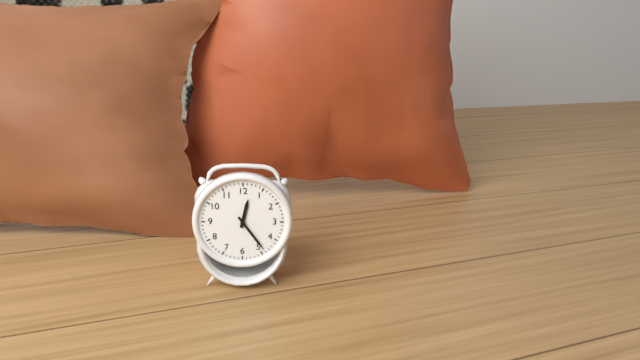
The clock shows 12:24
